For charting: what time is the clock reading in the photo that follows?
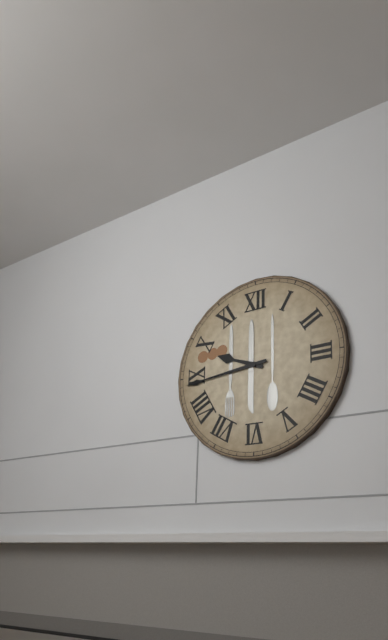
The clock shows 9:44
